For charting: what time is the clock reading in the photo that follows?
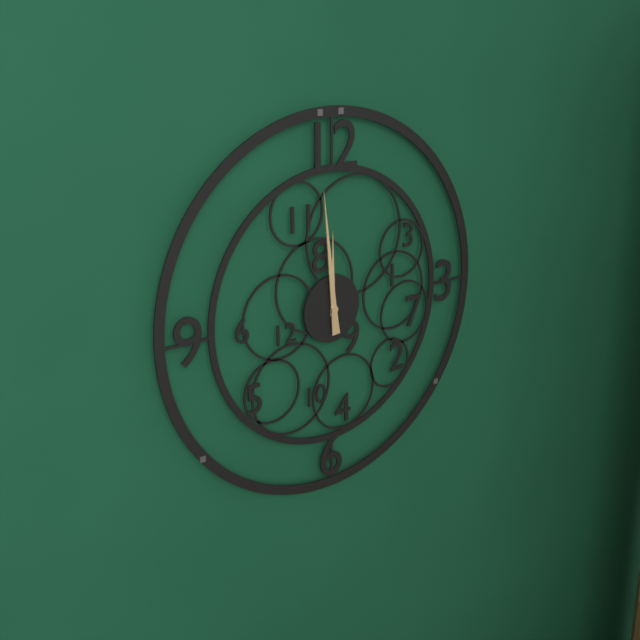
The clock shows 11:59
